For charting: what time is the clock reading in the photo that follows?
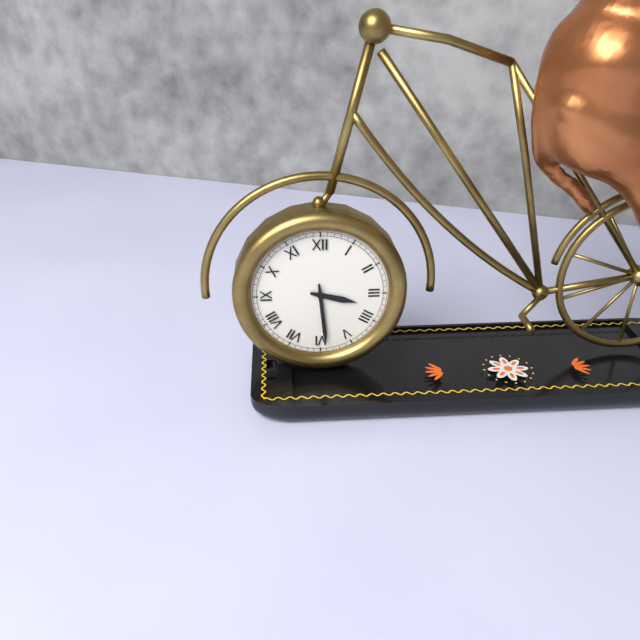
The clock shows 3:29
